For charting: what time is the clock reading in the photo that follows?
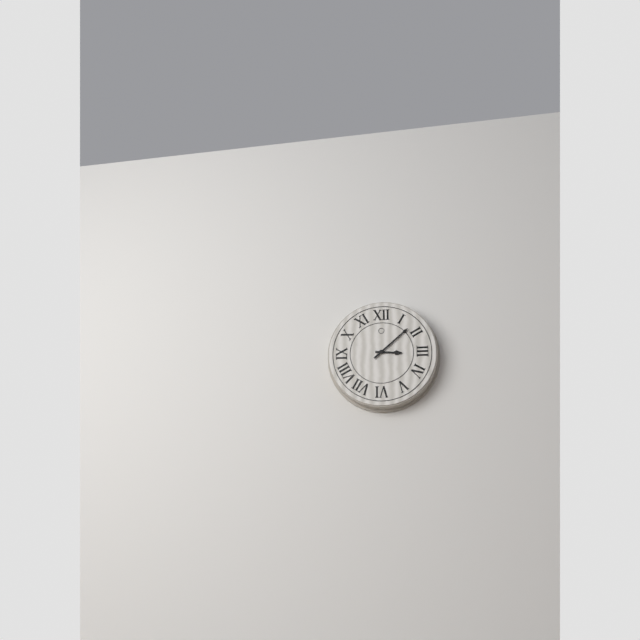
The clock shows 3:08
